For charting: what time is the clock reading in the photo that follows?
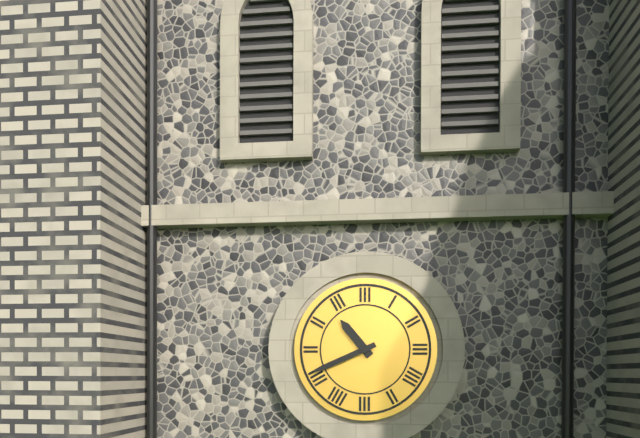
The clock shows 10:41
